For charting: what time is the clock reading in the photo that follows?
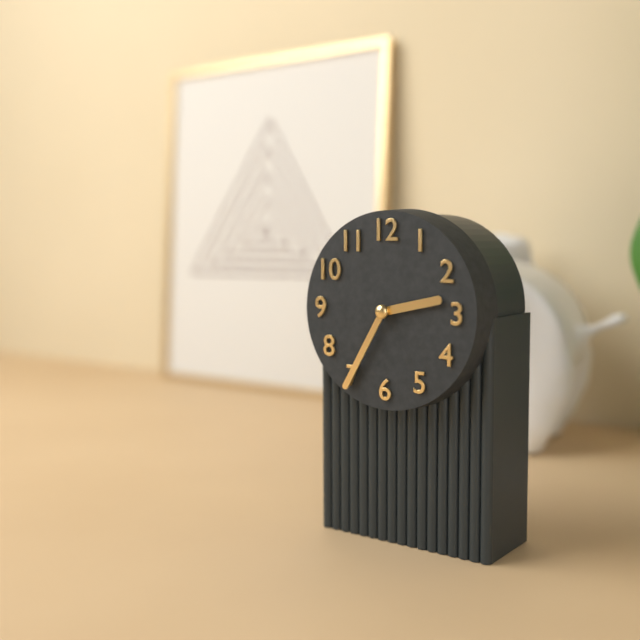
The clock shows 2:35
